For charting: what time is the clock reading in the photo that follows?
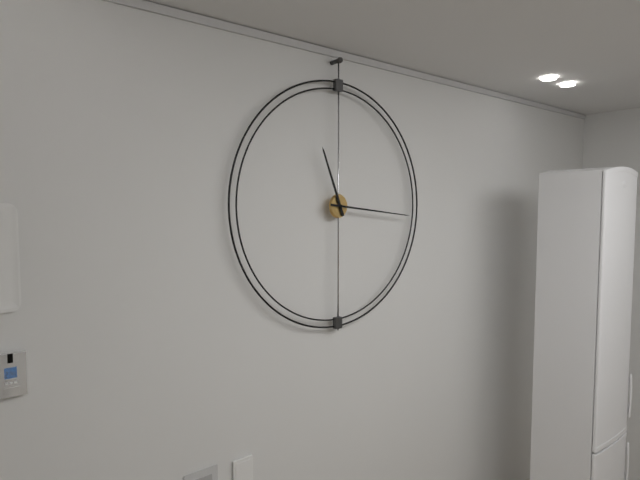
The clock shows 11:16
